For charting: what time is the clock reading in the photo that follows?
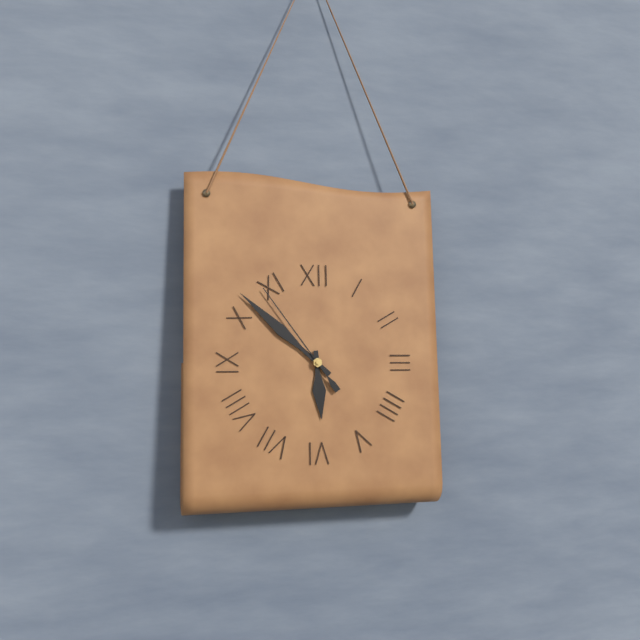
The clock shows 5:52:54
